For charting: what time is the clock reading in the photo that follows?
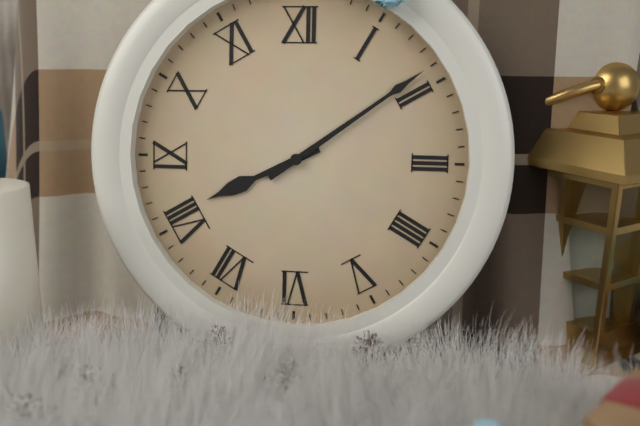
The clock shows 8:09
